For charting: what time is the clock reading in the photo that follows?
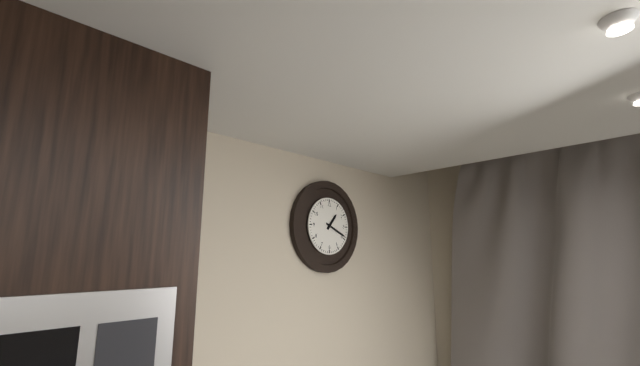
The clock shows 1:19
